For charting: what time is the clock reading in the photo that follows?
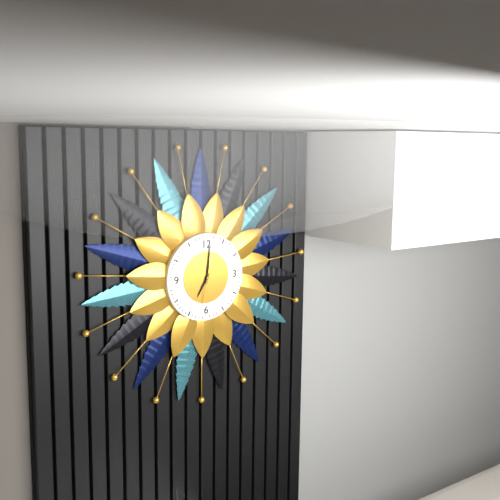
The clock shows 7:01
